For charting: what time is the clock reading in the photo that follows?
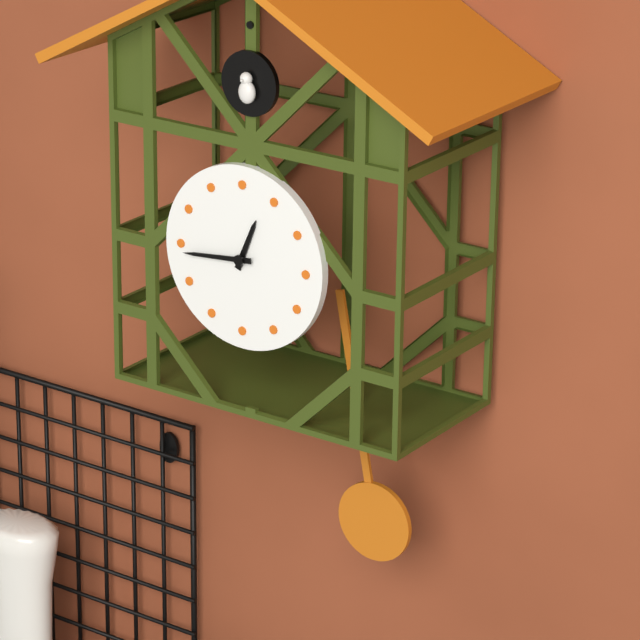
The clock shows 12:44
